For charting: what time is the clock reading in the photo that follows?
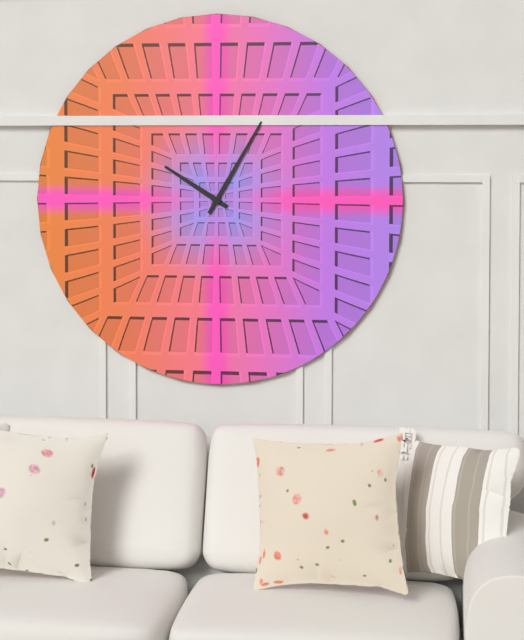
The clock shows 10:05
